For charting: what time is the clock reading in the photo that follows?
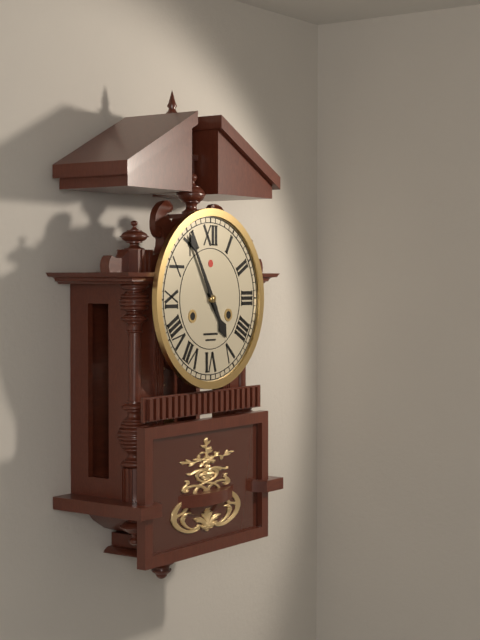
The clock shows 4:55
